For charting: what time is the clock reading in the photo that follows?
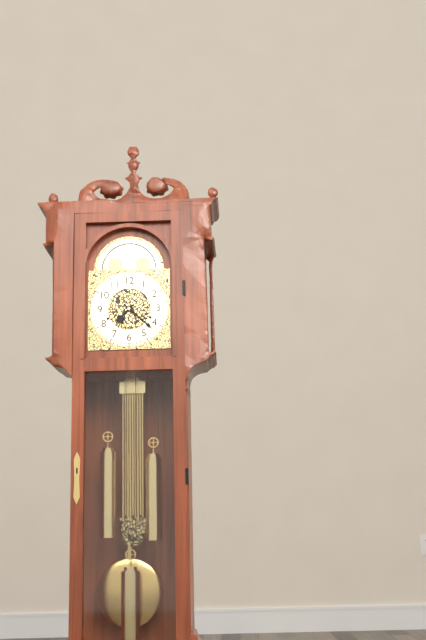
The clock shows 7:22
